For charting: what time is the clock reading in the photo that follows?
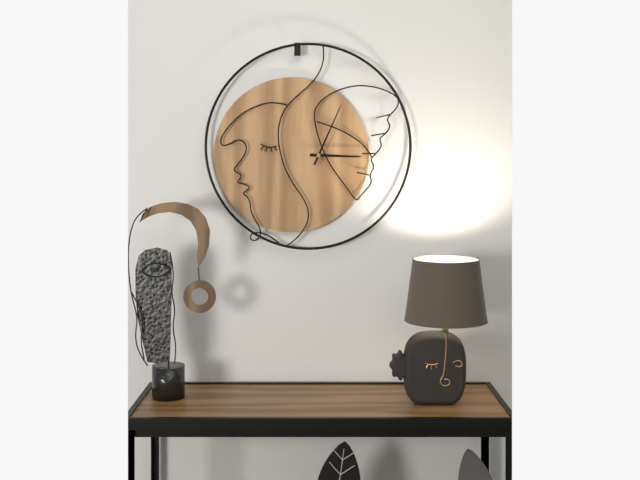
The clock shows 3:04
